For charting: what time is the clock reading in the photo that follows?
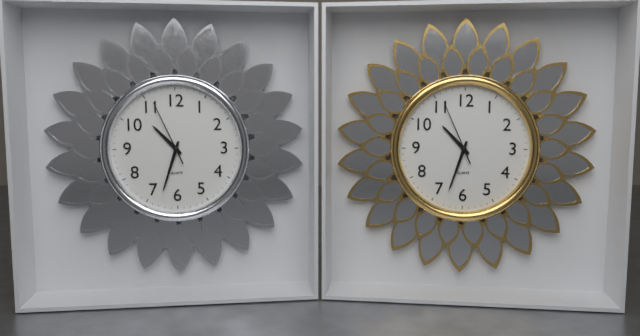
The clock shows 10:33:56
